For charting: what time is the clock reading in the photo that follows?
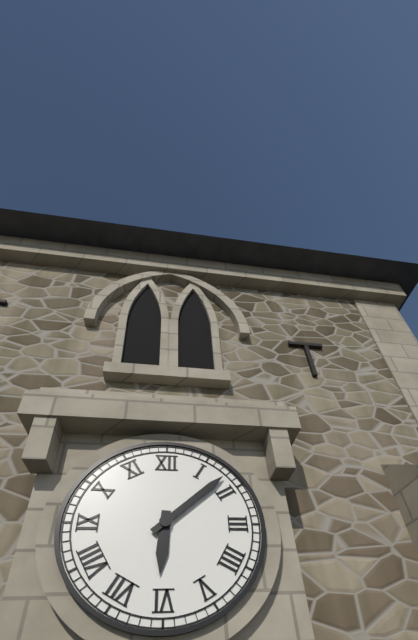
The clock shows 6:08
